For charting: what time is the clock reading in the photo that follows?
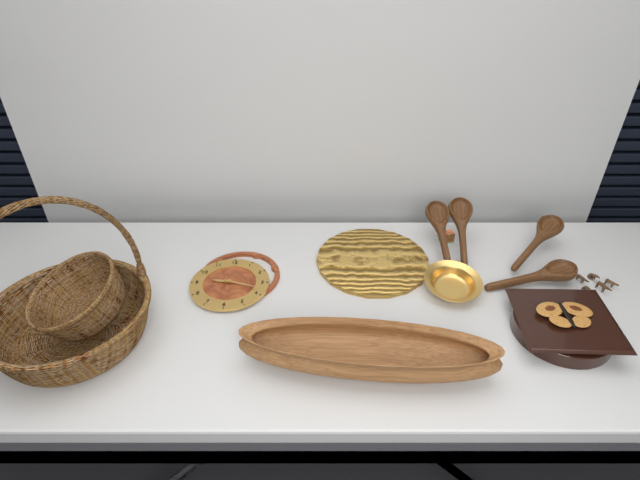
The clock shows 9:18
